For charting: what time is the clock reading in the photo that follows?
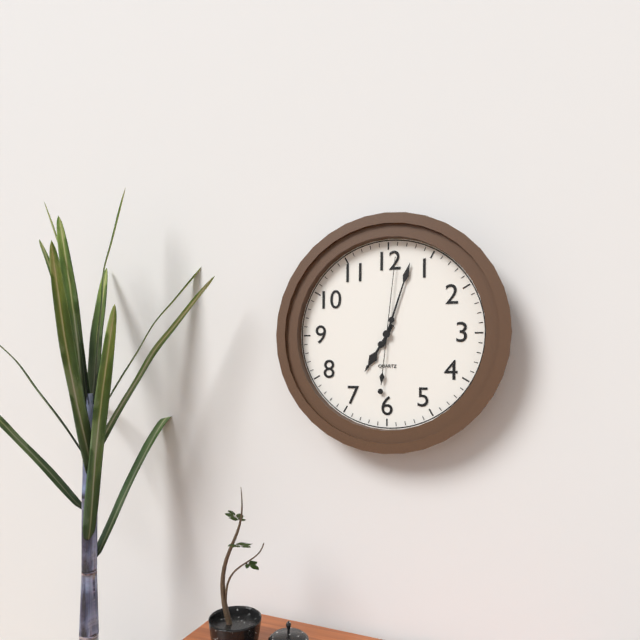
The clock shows 7:03:01
